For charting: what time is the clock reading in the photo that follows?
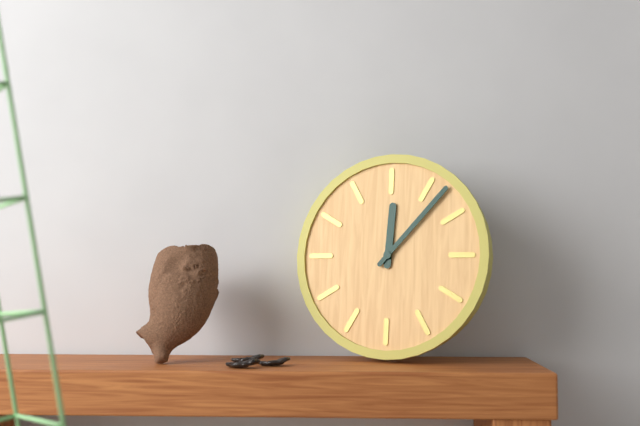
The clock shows 12:07
